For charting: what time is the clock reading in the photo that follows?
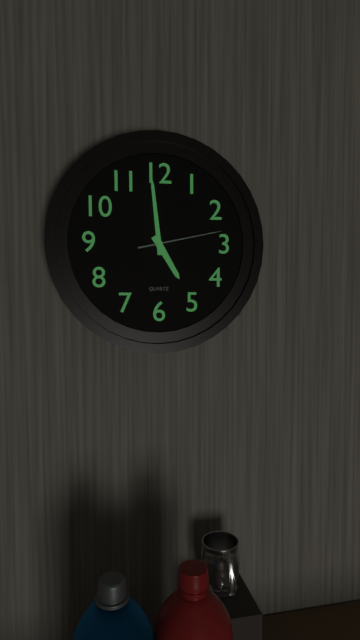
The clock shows 4:59:13
